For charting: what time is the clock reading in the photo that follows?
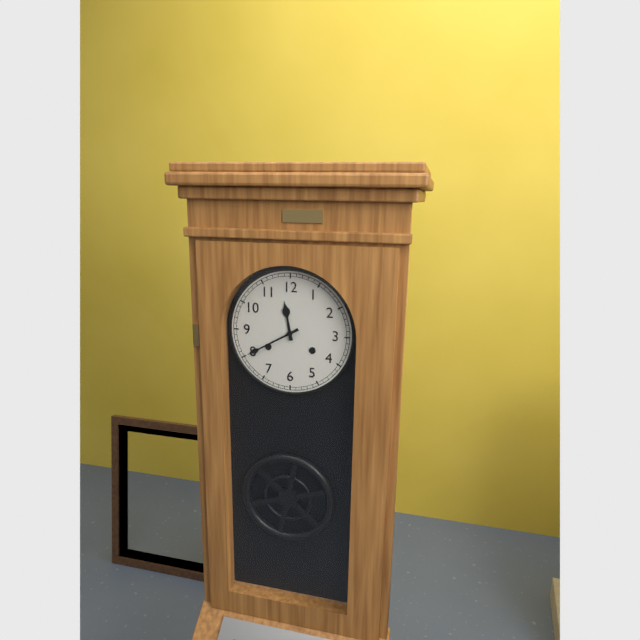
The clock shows 11:40
